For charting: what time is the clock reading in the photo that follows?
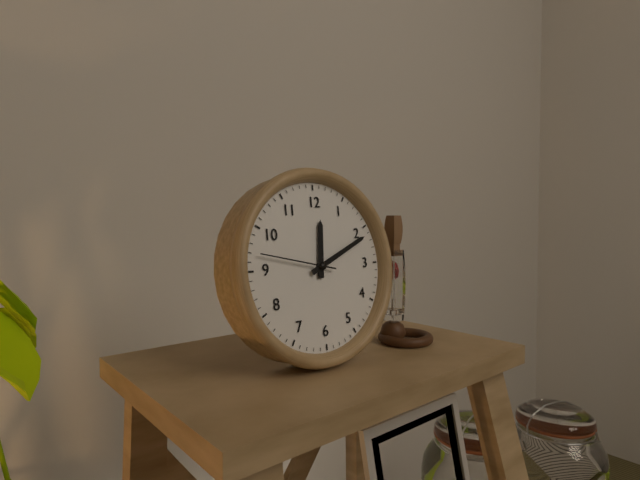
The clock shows 12:11:47
